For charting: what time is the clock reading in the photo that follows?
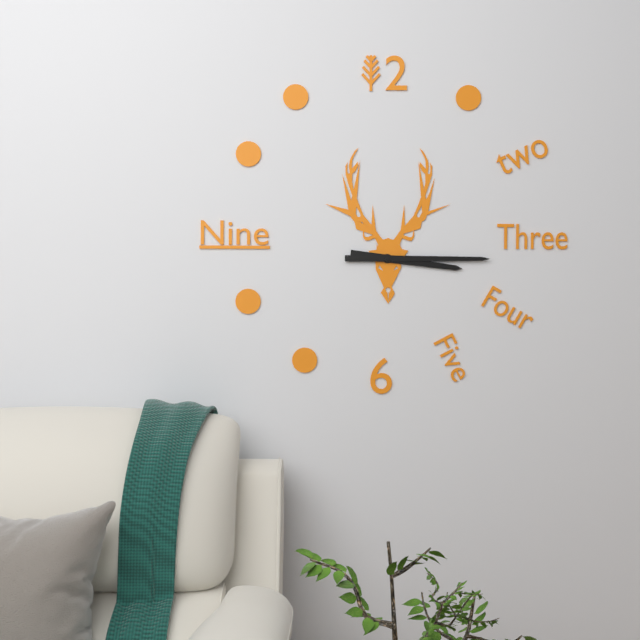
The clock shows 3:15
